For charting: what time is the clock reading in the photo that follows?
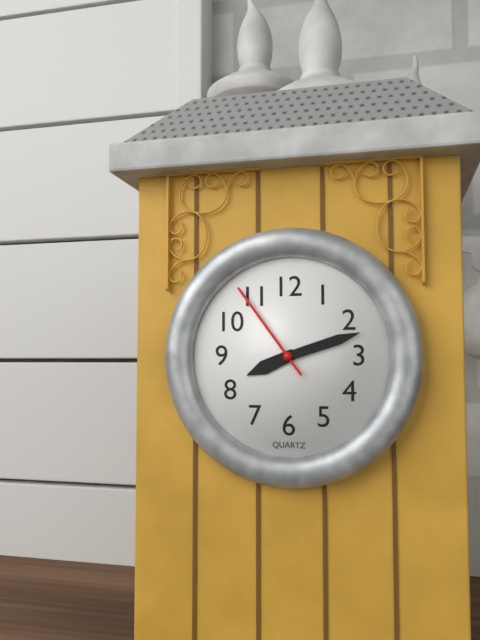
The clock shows 8:12:54
